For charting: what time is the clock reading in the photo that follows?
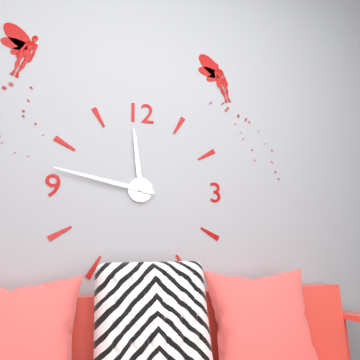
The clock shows 11:47
